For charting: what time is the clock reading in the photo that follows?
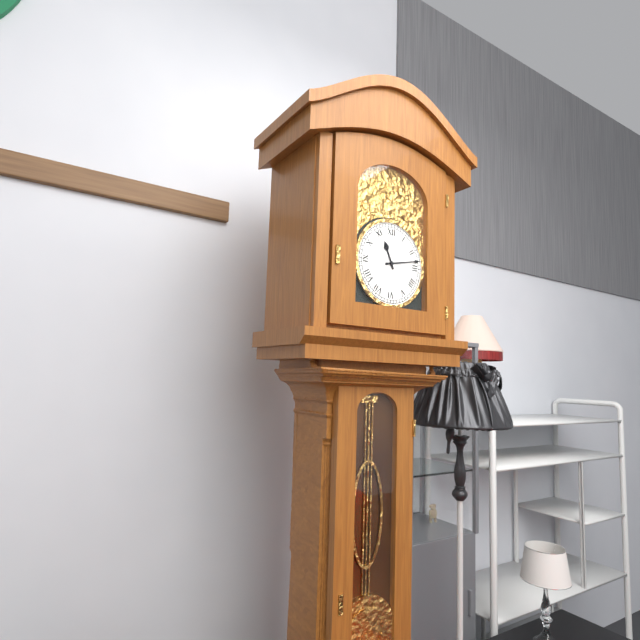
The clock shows 11:13
